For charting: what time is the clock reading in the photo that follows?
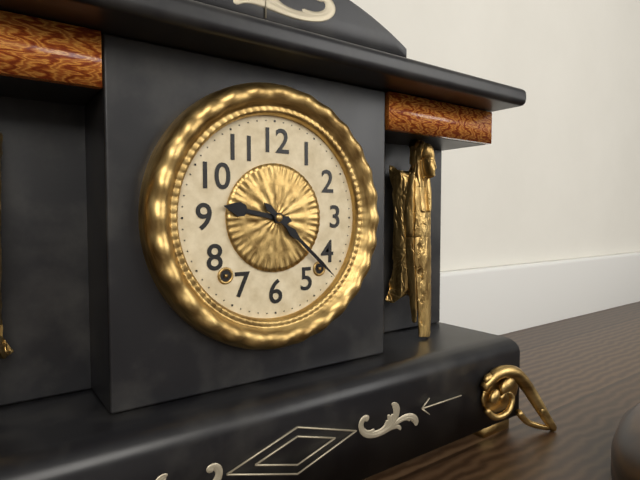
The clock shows 9:22
